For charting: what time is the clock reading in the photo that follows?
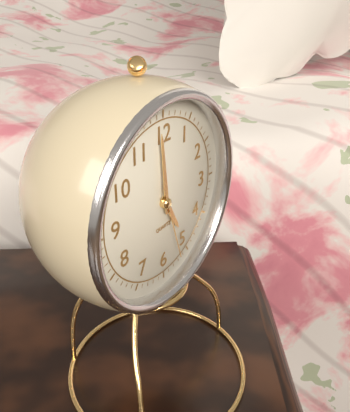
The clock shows 4:59:27
